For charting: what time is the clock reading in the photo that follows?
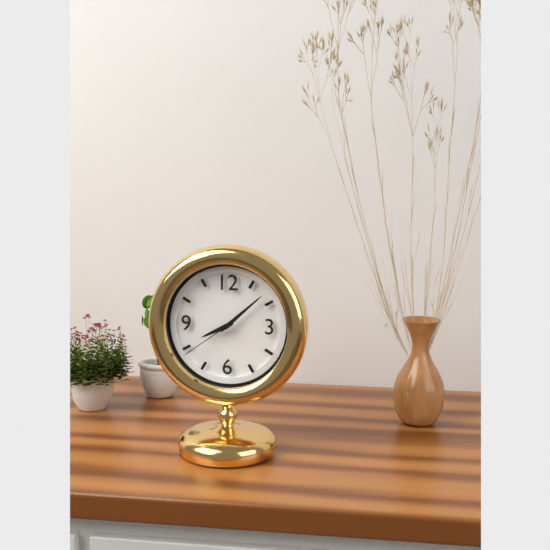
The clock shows 8:08:39
